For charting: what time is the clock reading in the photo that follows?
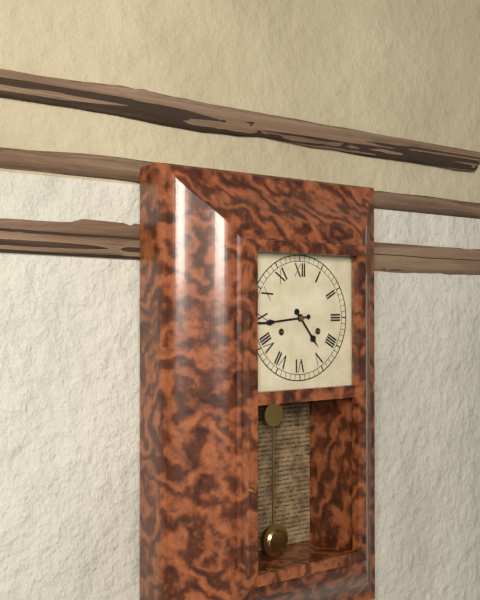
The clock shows 4:44
